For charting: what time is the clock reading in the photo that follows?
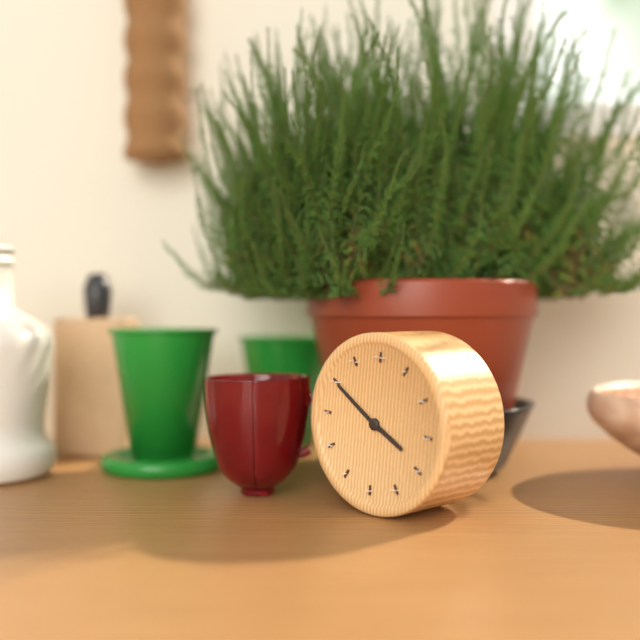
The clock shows 3:50
